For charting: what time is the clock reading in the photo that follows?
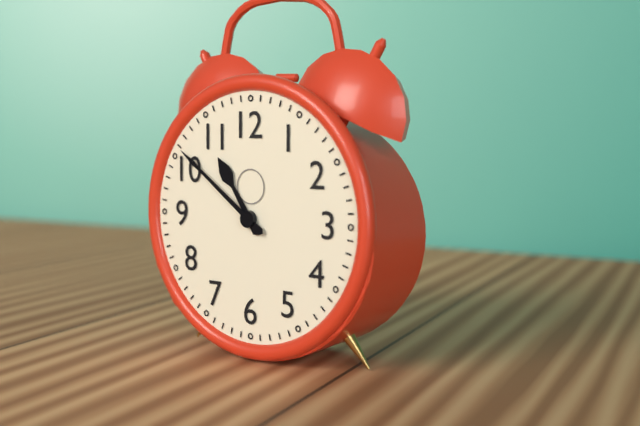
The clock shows 10:51
